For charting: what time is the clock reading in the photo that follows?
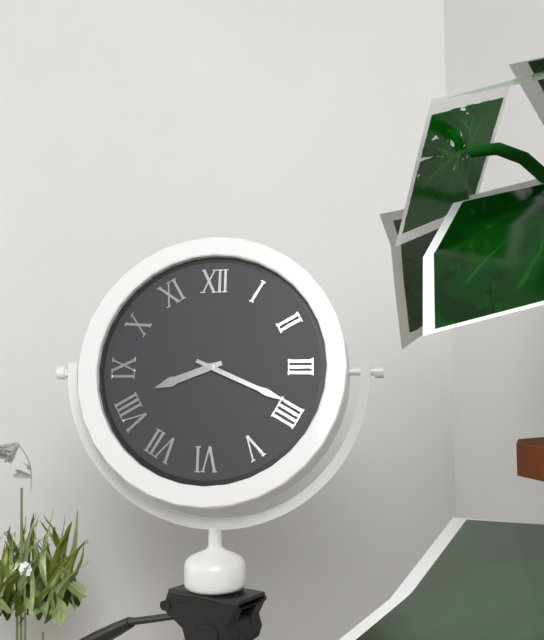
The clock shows 8:19
